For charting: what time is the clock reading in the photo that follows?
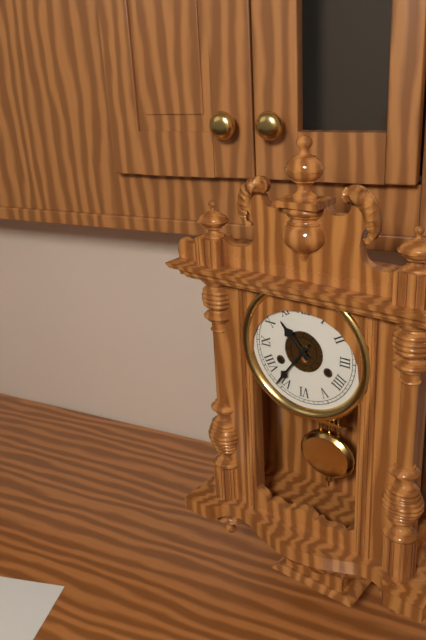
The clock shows 10:36
